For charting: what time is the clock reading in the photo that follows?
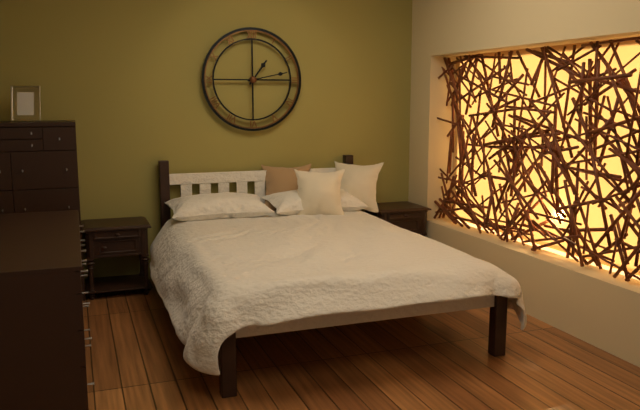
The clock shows 1:13
